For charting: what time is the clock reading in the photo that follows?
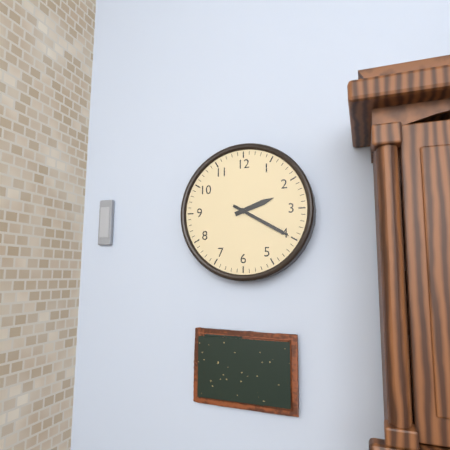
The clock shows 2:20
